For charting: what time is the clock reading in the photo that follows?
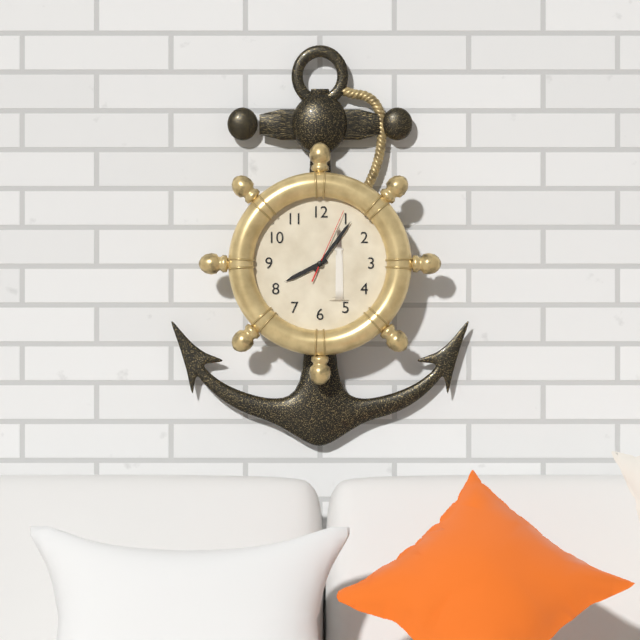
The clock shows 8:06:04
